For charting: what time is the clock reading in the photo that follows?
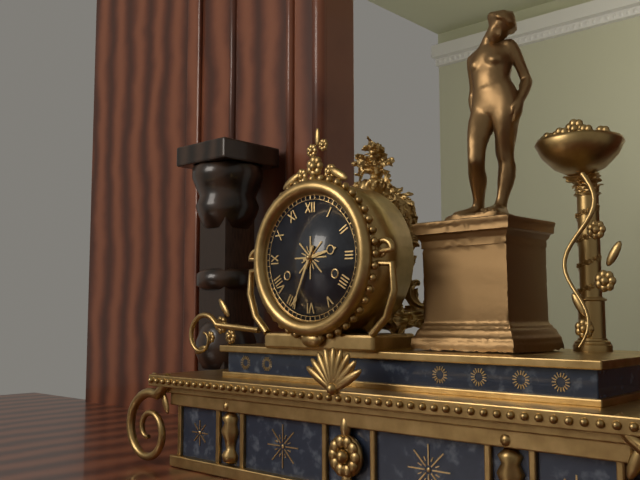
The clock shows 2:34
